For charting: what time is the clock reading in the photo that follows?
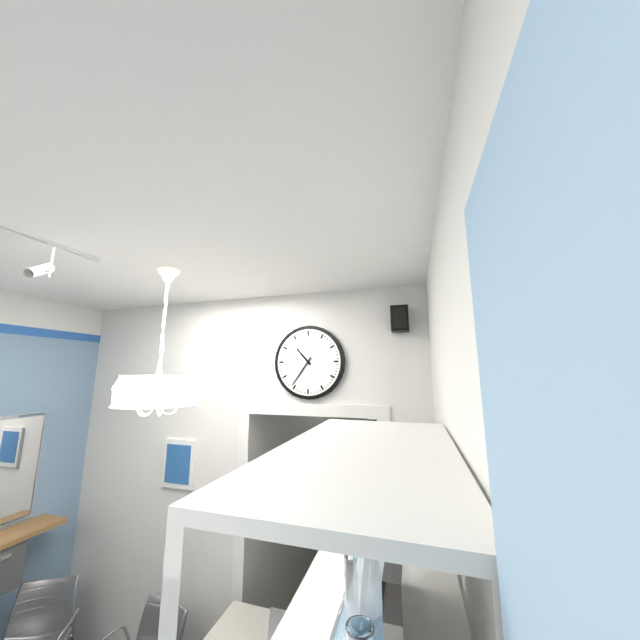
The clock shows 10:36
